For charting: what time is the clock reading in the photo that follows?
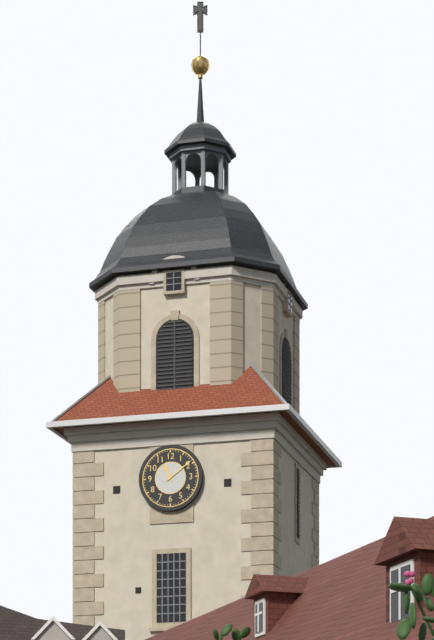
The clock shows 11:09
